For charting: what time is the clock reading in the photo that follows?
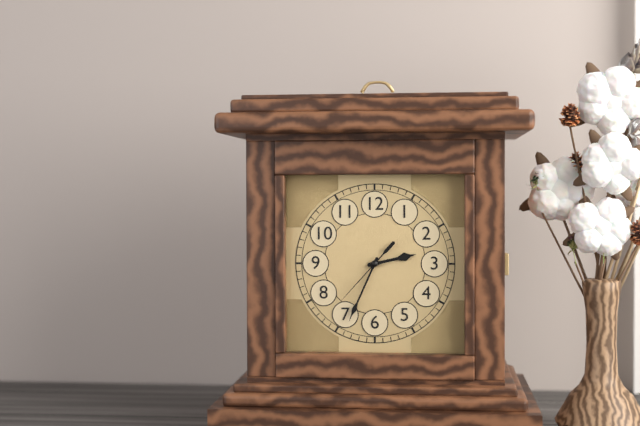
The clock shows 2:34:37
